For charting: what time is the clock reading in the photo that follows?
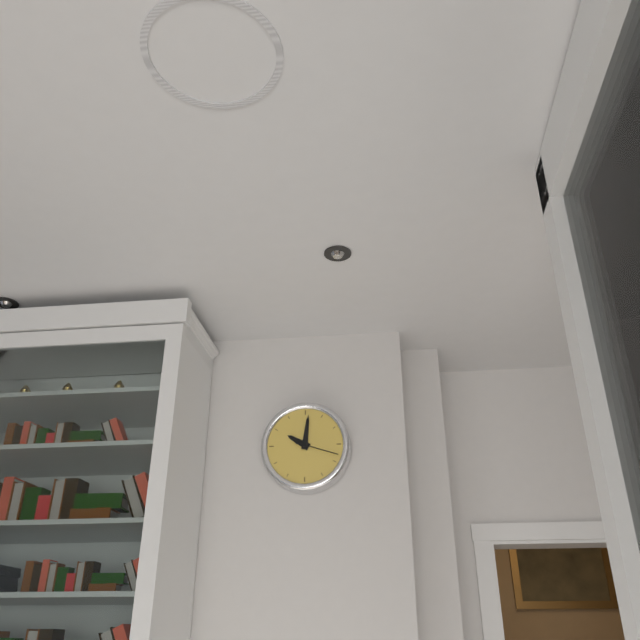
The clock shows 10:01
